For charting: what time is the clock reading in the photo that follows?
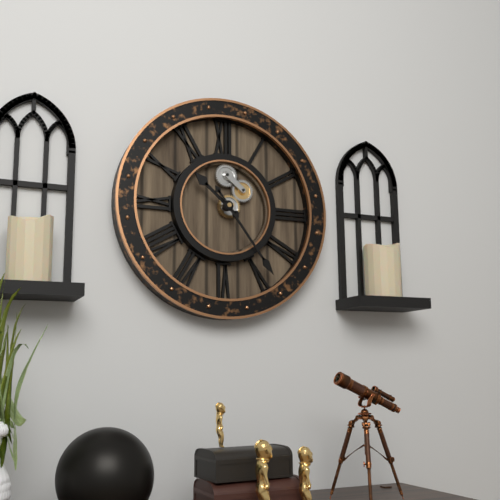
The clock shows 10:24
